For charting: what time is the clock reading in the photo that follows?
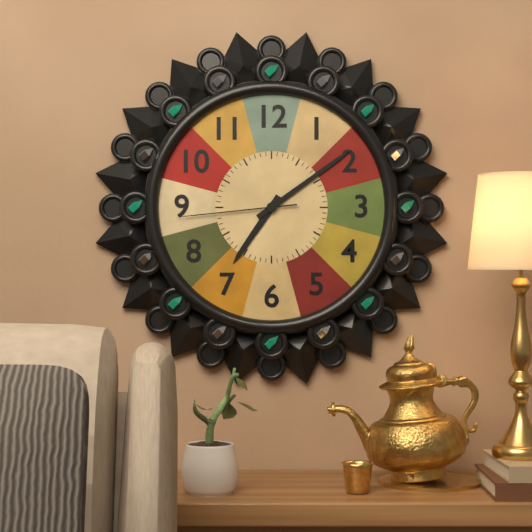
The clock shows 7:09:44
